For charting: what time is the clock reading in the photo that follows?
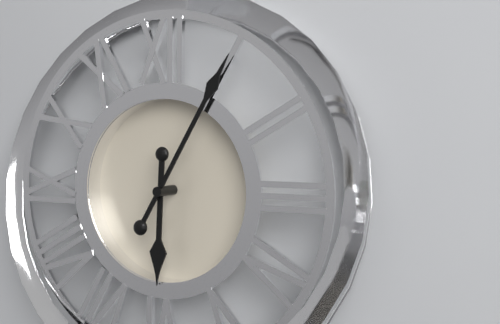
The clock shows 6:05
